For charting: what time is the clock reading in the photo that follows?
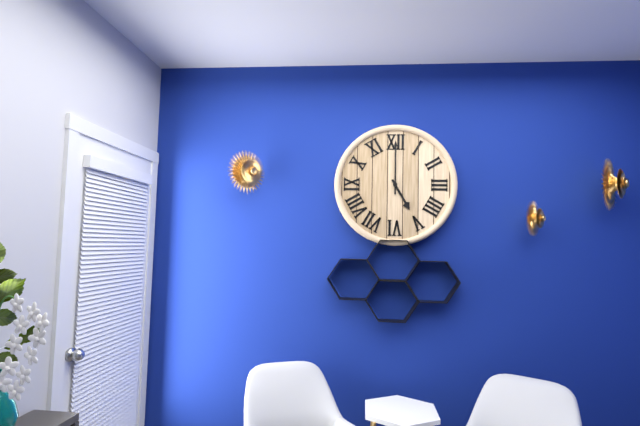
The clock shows 5:00
